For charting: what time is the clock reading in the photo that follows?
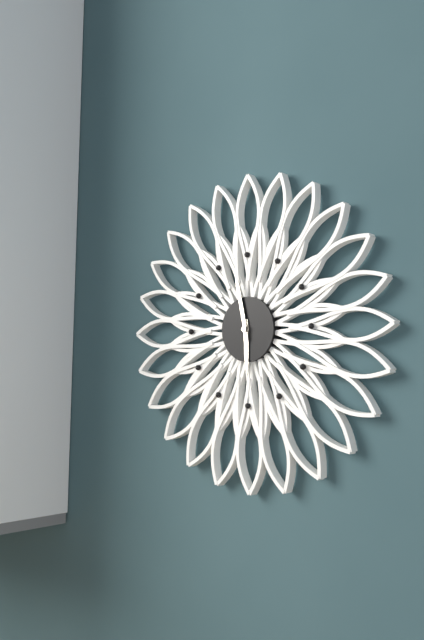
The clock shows 5:58
